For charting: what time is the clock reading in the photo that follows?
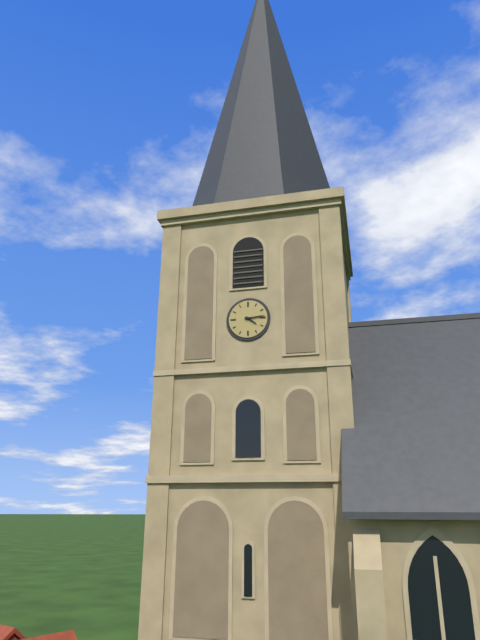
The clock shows 4:14
